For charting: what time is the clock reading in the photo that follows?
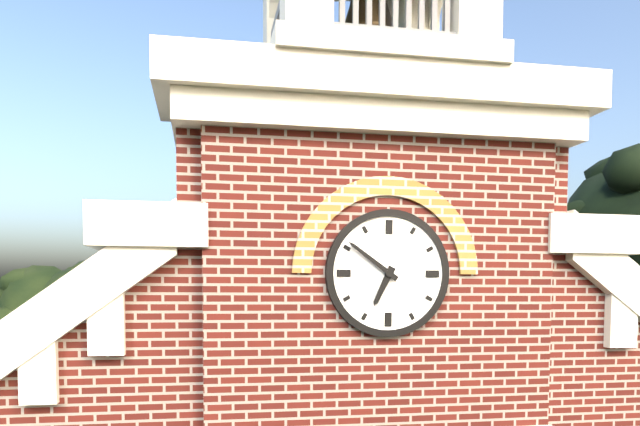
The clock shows 6:51
